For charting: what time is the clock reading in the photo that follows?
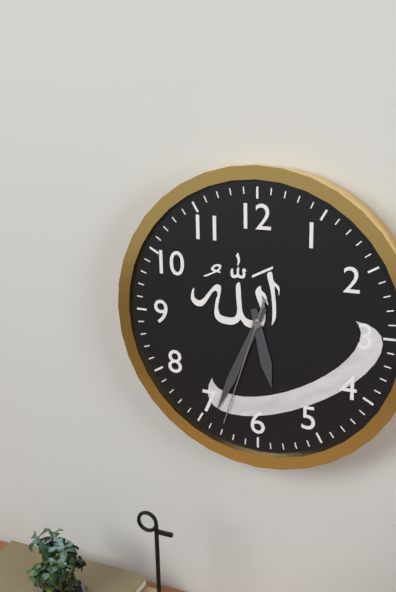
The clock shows 5:34:33
